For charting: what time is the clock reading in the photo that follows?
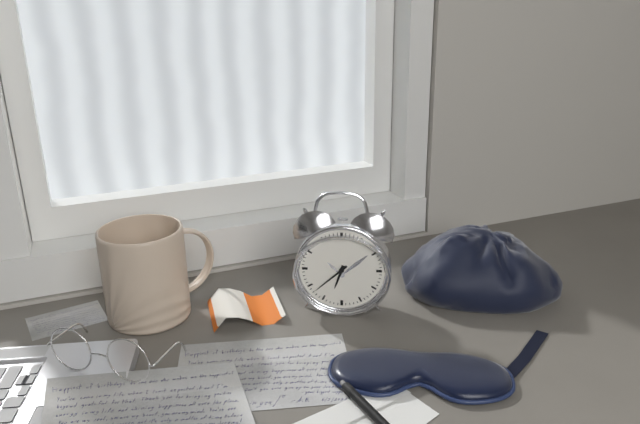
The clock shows 6:38
